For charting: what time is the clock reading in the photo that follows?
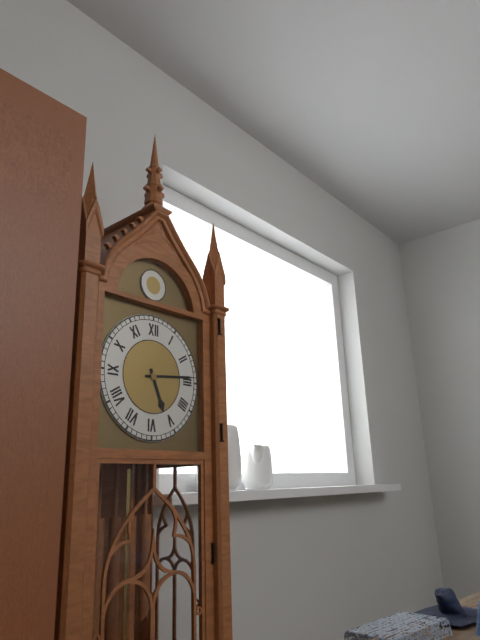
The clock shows 5:14
